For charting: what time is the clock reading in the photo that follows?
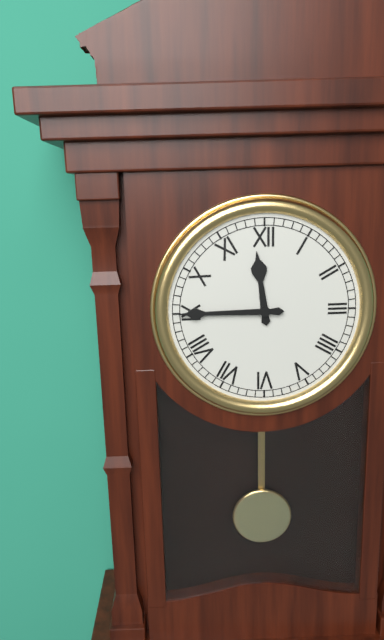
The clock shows 11:45
